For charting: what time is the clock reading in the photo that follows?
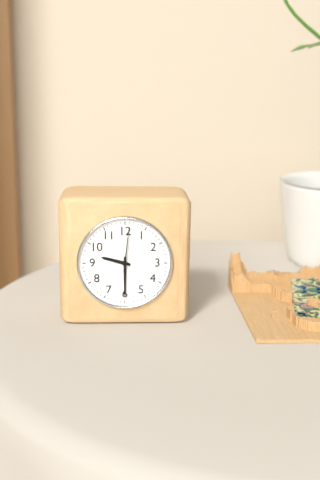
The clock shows 9:30
